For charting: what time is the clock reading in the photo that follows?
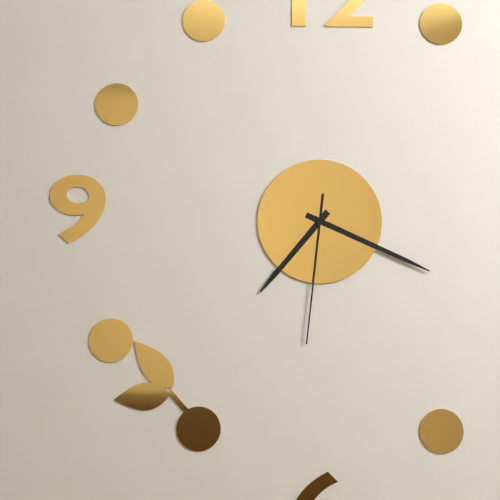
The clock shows 7:19:31
